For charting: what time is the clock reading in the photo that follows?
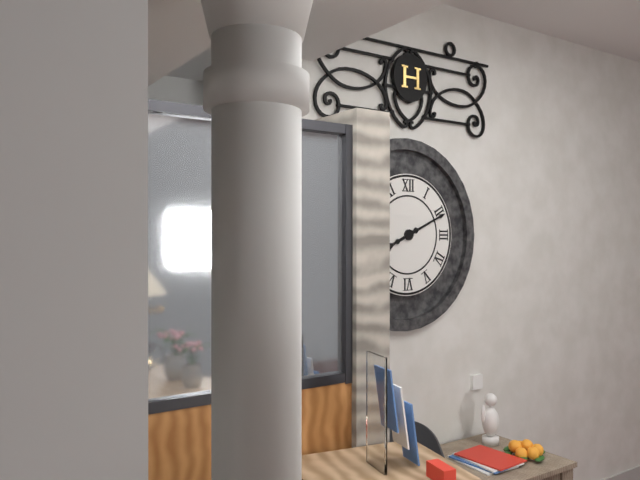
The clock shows 8:11
